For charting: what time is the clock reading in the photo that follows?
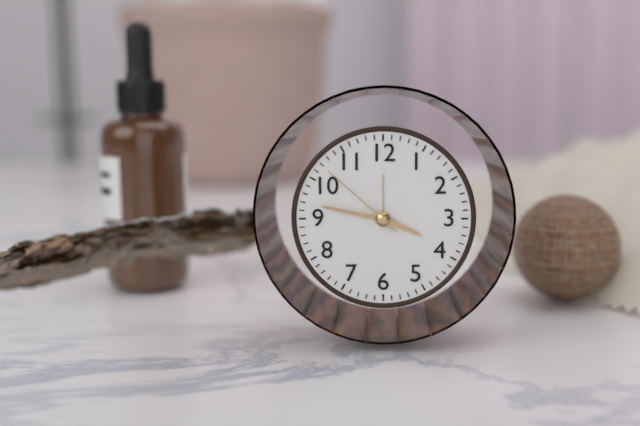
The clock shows 3:47:52
